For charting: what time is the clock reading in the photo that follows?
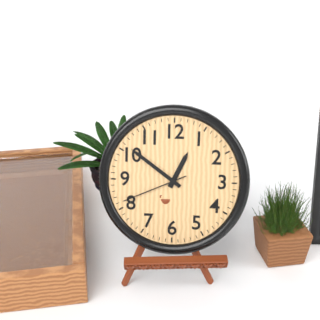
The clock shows 12:51:41
